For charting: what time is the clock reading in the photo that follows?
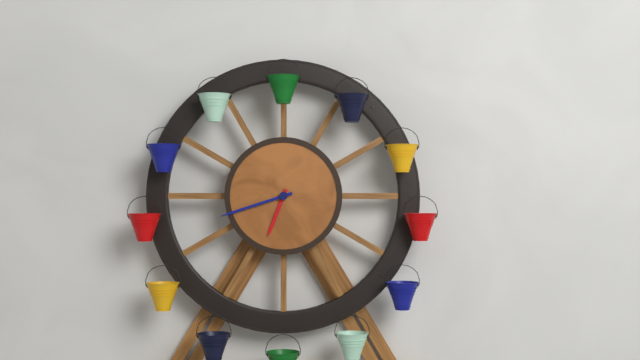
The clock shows 6:42
